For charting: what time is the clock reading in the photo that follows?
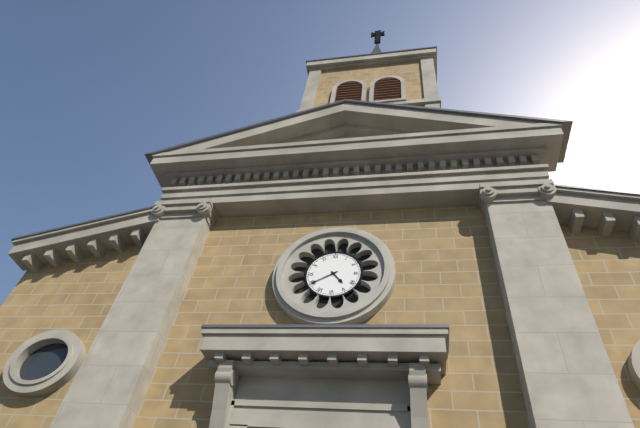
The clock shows 4:40
